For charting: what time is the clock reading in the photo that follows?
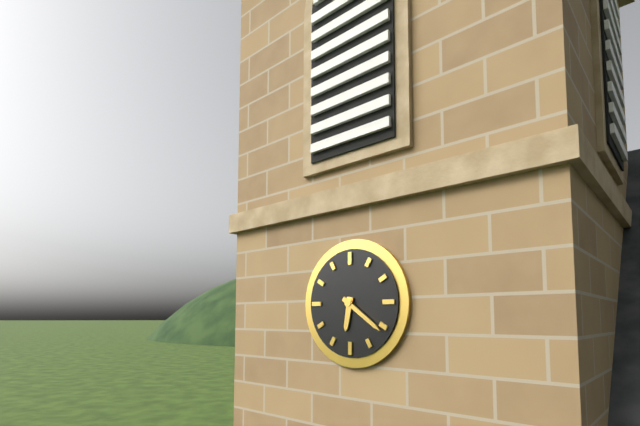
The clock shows 6:21
